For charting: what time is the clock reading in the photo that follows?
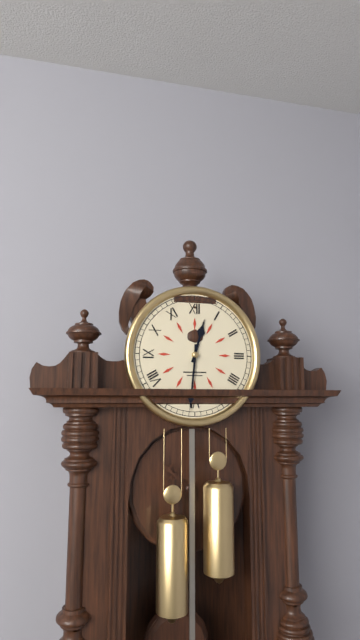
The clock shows 12:31
